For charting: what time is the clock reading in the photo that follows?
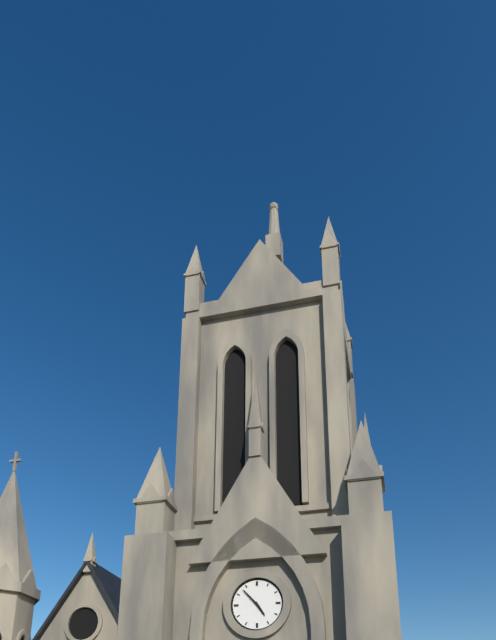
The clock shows 4:53
